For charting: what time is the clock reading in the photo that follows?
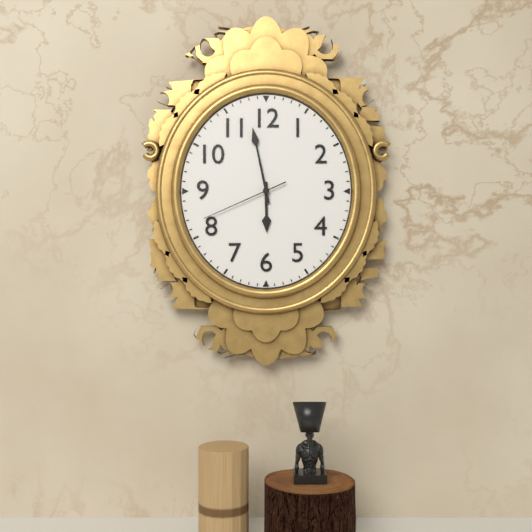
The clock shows 5:58:41
